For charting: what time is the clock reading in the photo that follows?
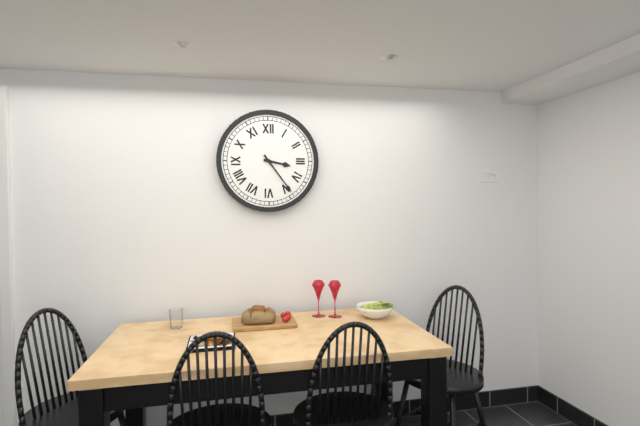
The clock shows 3:24
